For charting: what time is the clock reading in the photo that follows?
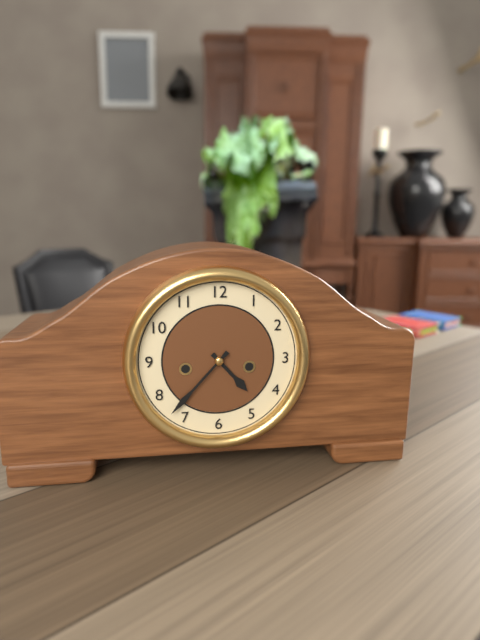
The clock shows 4:37
